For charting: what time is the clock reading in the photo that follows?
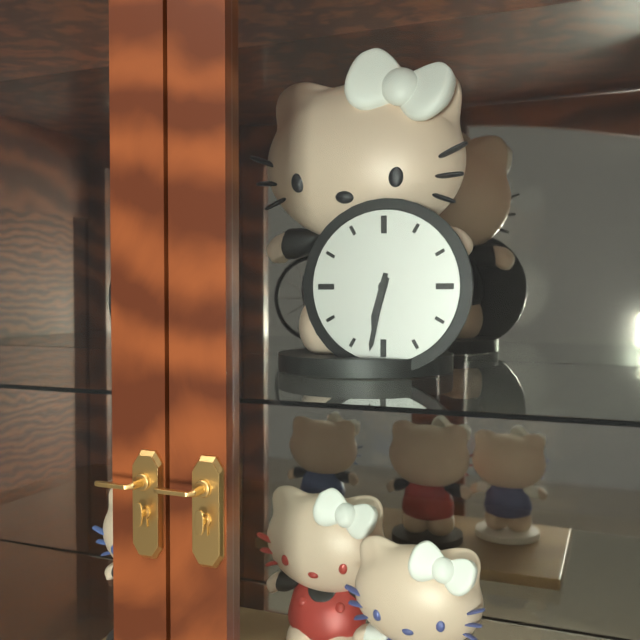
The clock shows 6:32
